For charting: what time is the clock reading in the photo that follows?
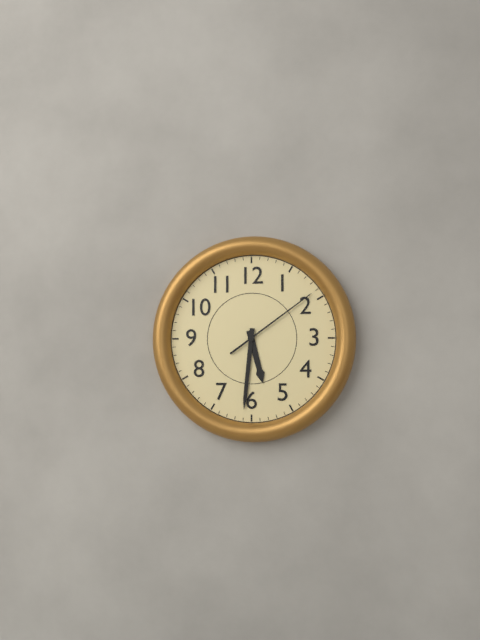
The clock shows 5:31:09
